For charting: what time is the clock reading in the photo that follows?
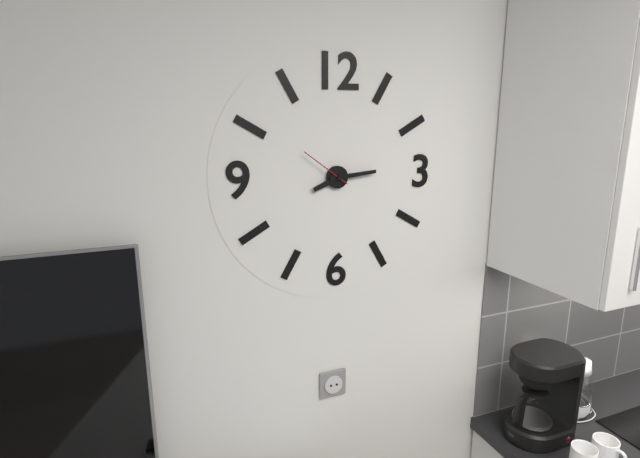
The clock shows 8:14:51
